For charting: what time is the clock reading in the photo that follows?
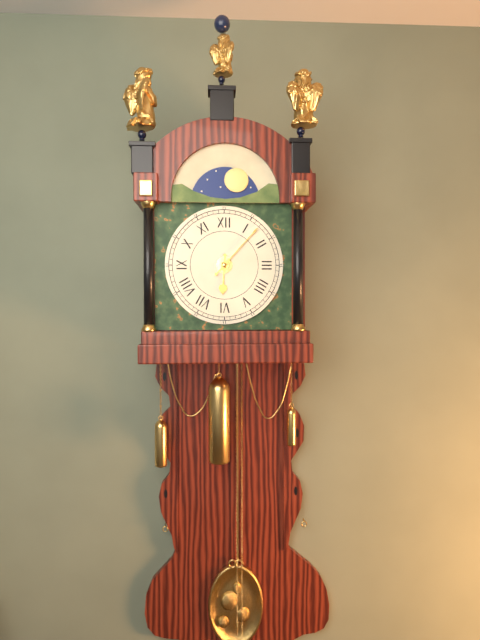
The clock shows 6:07
